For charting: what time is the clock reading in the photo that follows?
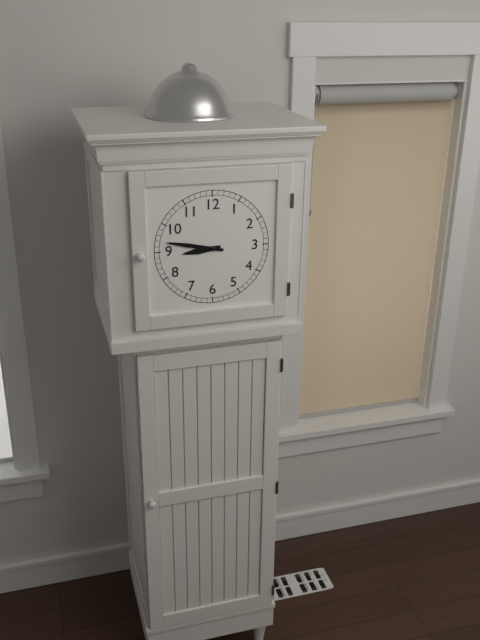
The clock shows 8:47
